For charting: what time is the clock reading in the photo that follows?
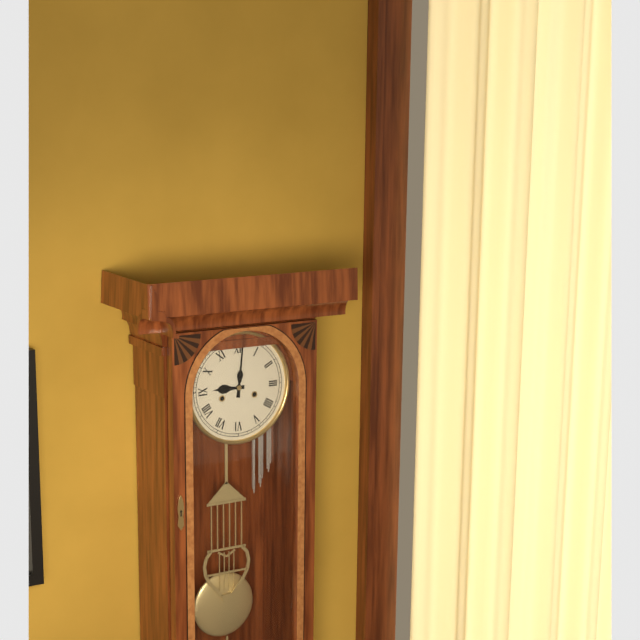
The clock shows 9:01
